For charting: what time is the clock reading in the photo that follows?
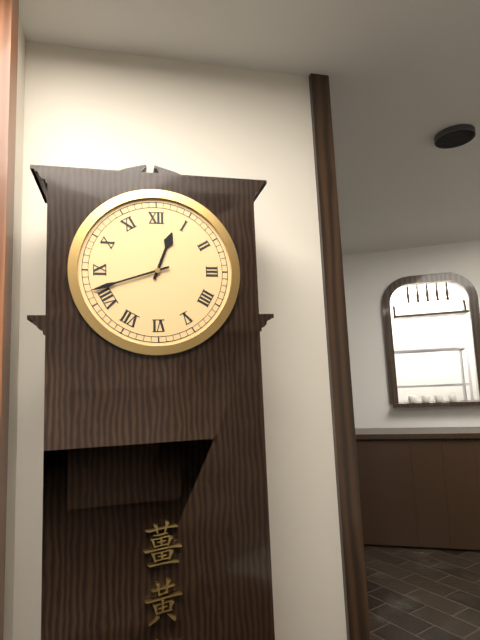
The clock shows 12:42
